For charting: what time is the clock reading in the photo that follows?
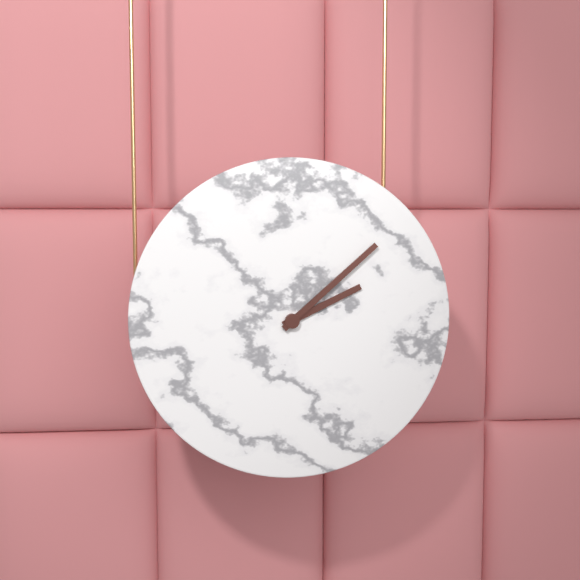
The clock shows 2:08
